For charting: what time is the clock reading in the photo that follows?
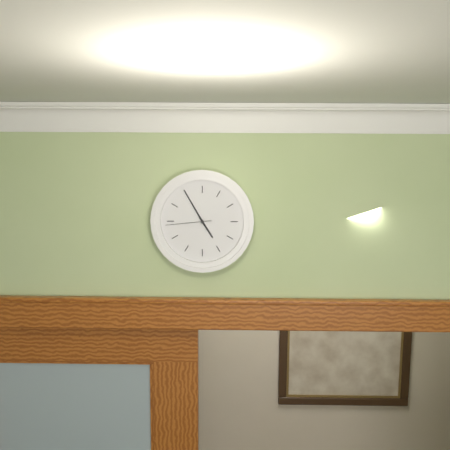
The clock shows 4:55
